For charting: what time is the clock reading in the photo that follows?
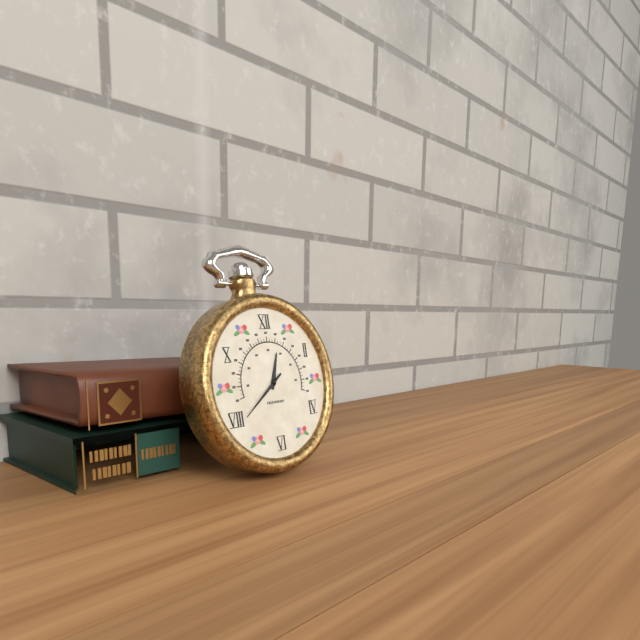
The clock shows 12:39
